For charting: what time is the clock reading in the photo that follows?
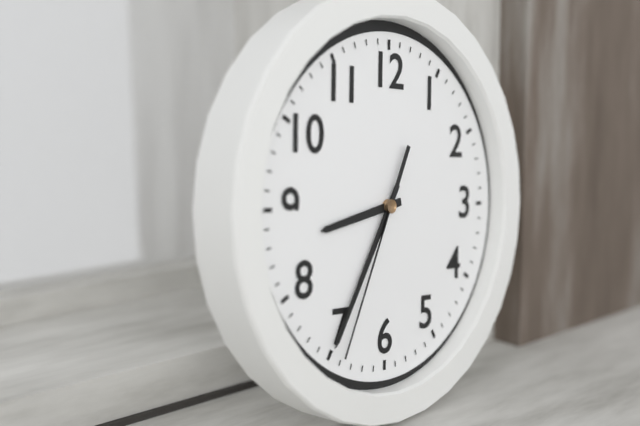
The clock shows 8:35:34
